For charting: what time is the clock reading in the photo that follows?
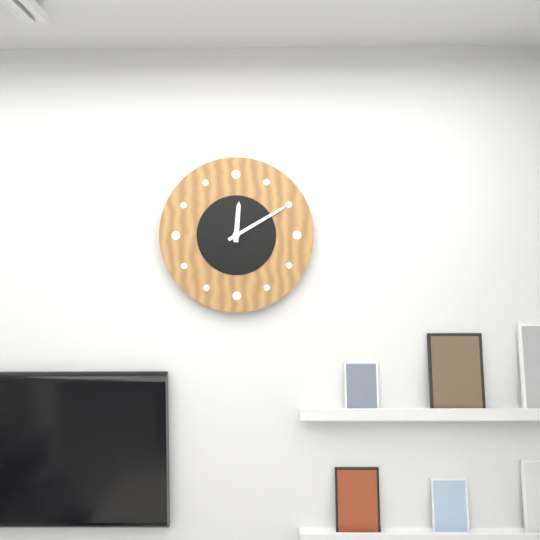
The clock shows 12:10
